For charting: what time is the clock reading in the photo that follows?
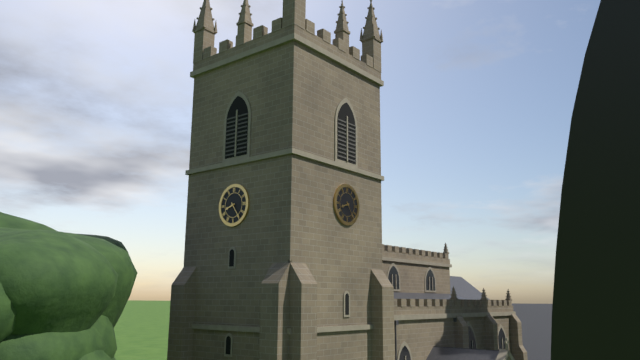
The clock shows 8:24
